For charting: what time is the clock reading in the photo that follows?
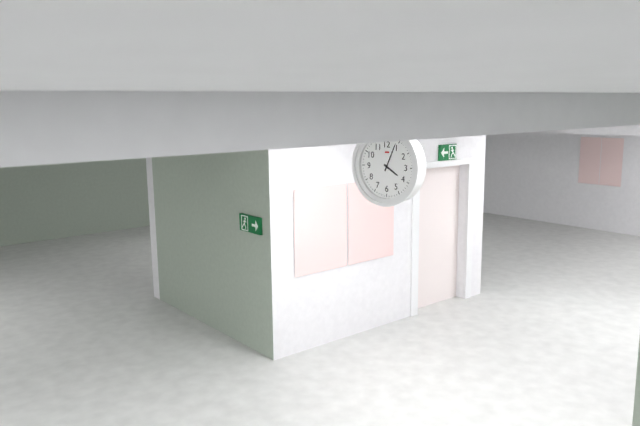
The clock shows 4:04
